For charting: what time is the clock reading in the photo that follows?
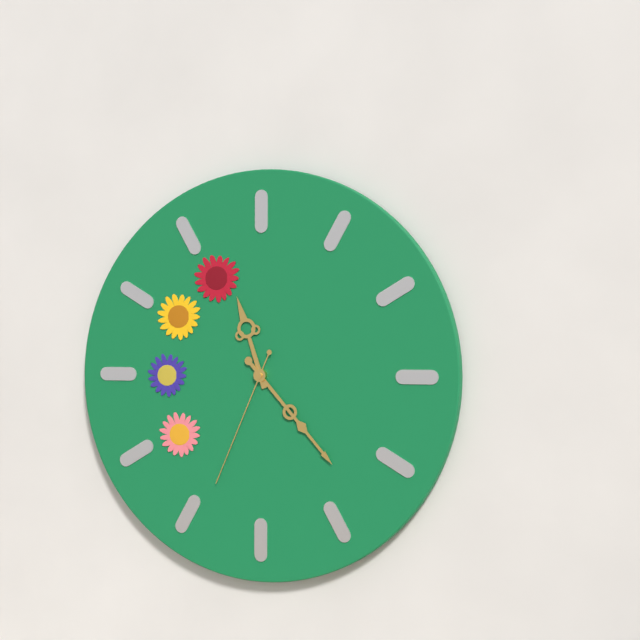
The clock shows 11:23:34
